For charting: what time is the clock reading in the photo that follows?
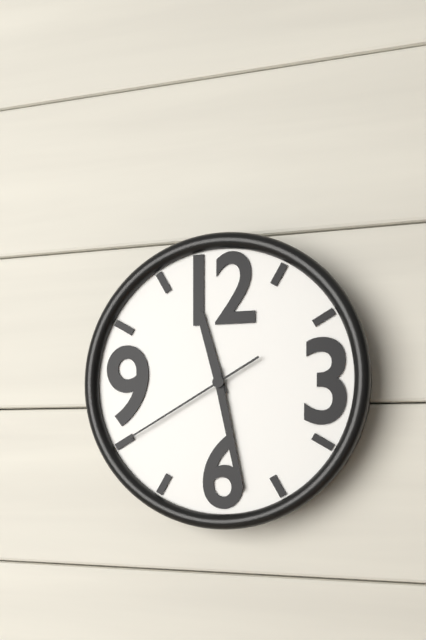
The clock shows 11:28:40
